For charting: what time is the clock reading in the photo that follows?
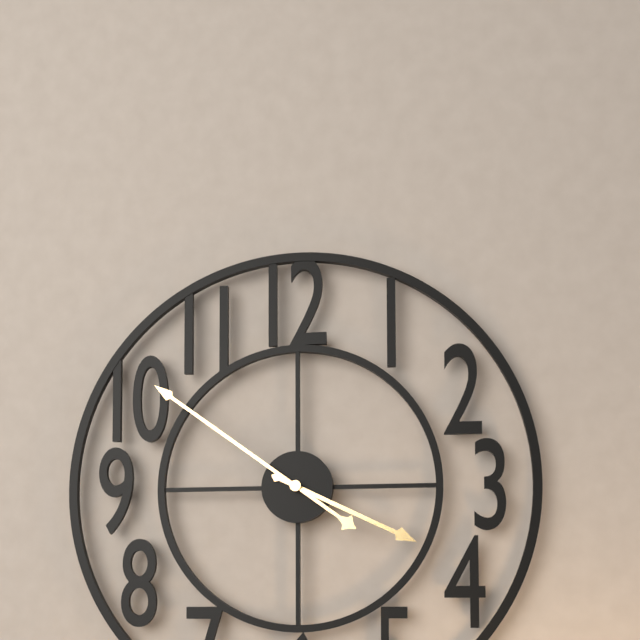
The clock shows 3:51
